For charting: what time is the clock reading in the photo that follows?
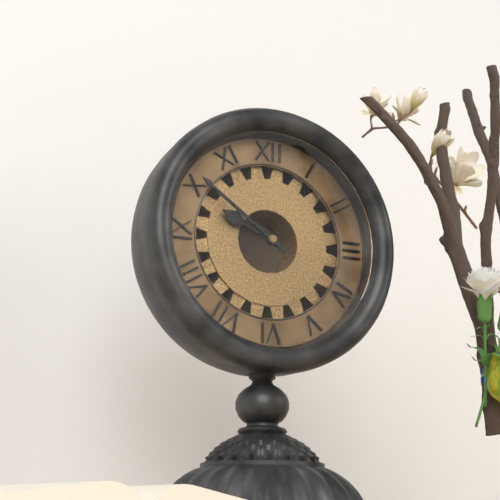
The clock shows 9:51
